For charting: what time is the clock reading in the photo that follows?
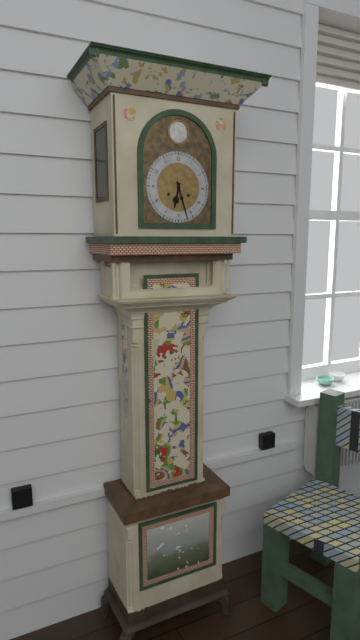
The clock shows 6:27
